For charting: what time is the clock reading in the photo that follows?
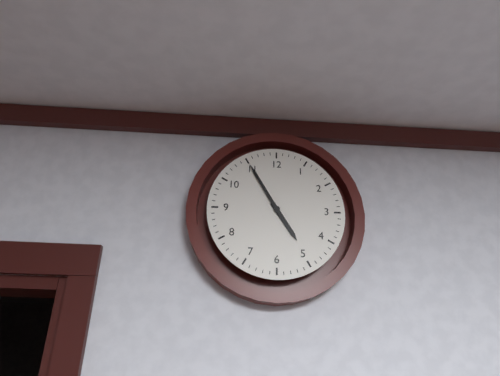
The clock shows 4:55
